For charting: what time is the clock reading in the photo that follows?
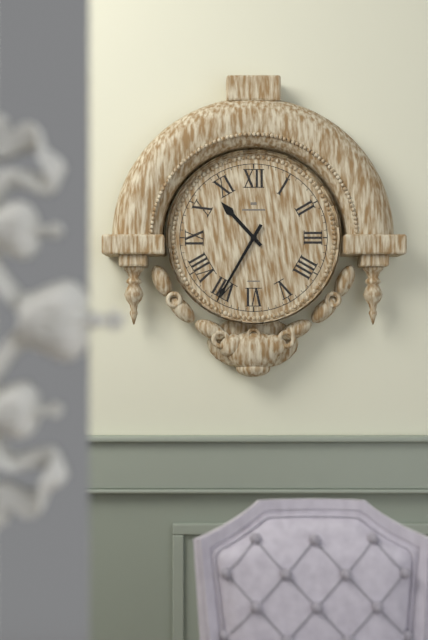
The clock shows 10:35
